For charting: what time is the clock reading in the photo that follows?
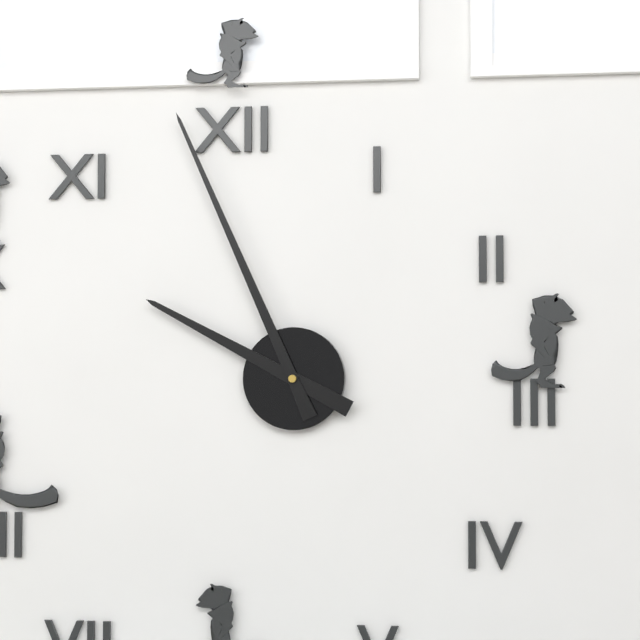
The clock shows 9:56
